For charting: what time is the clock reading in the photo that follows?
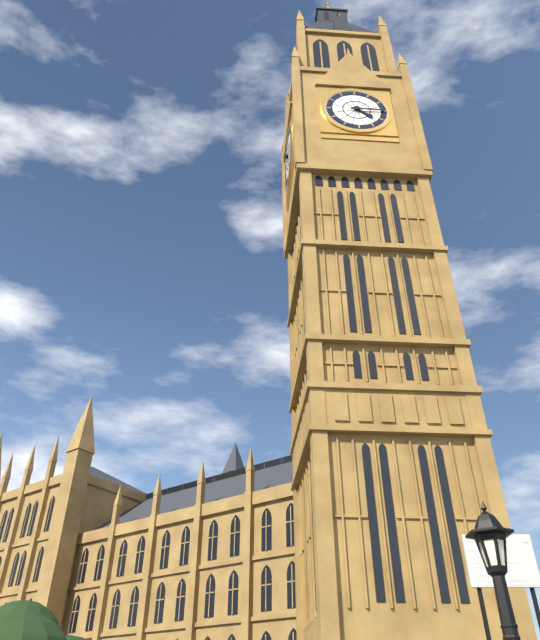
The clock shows 4:15
